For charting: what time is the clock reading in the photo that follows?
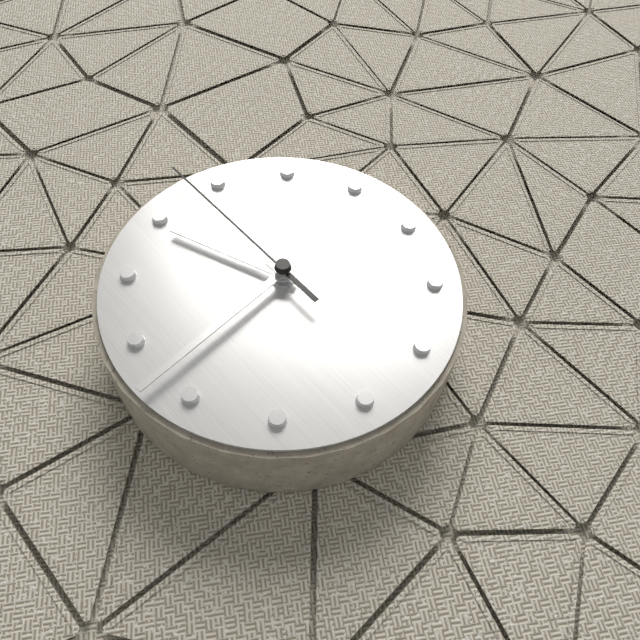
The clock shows 12:52:08
